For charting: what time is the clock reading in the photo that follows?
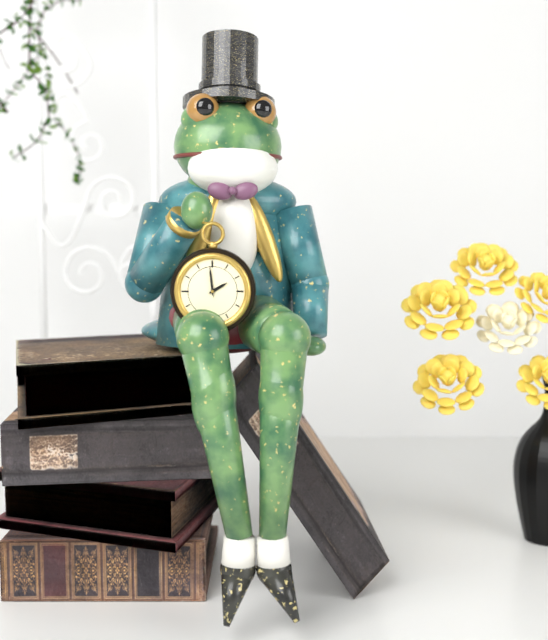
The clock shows 1:59
